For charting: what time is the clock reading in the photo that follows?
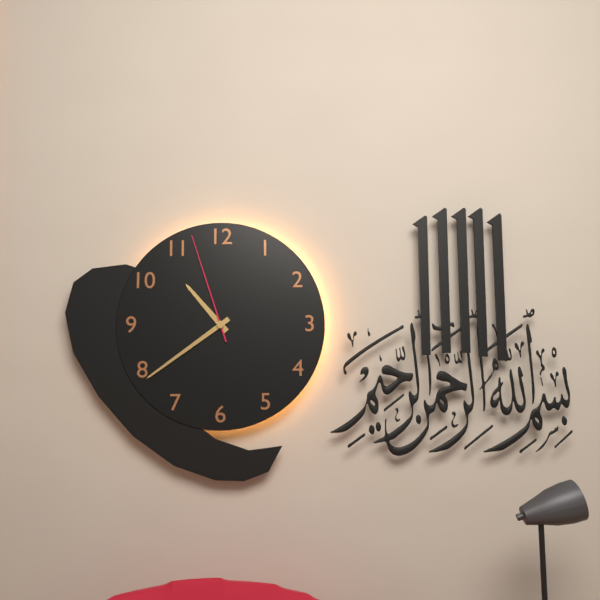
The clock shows 10:39:57
